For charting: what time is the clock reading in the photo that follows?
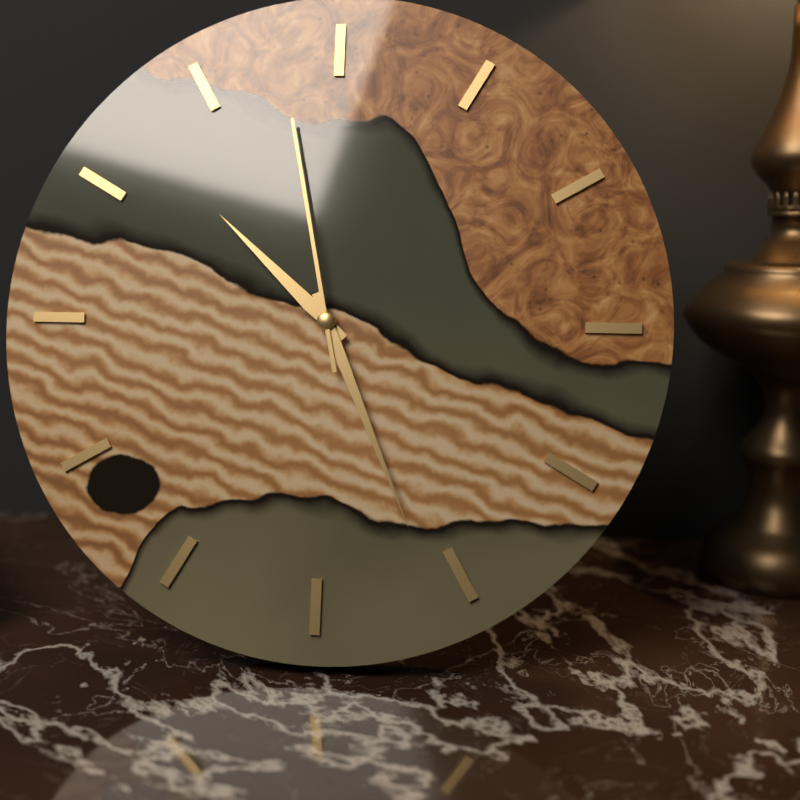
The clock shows 10:26:58
